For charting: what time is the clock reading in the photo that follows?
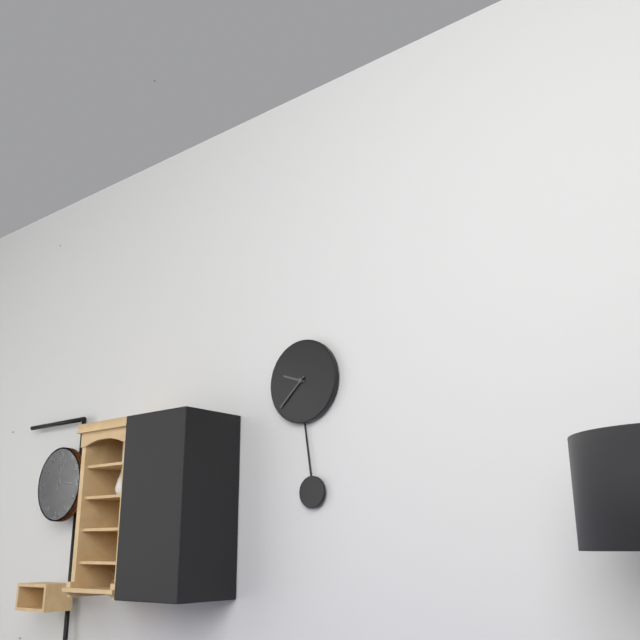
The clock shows 9:38
